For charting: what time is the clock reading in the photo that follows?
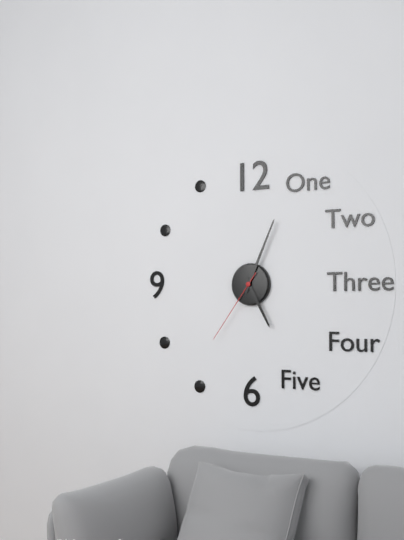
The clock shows 5:04:36
